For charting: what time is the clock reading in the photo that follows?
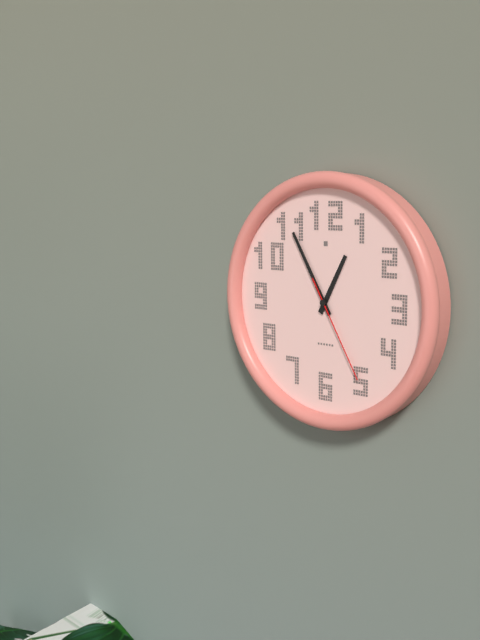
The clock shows 12:55:25
